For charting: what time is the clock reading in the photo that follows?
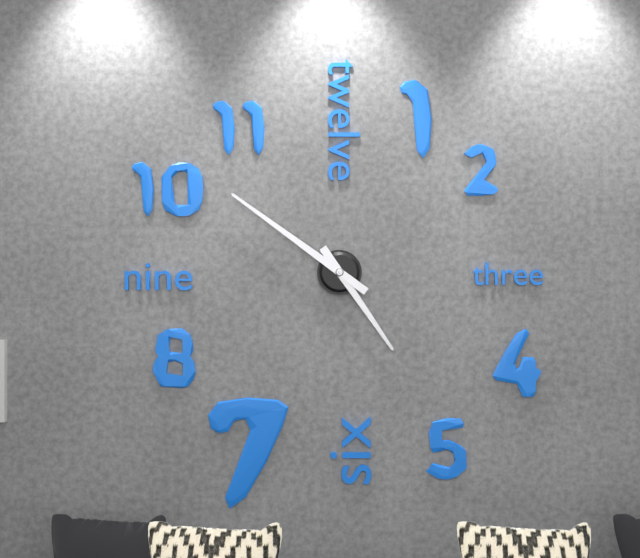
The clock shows 4:51
